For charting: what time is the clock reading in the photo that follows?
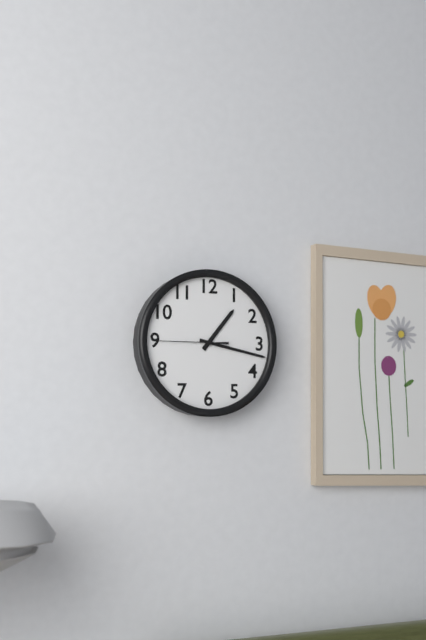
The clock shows 1:17:45
